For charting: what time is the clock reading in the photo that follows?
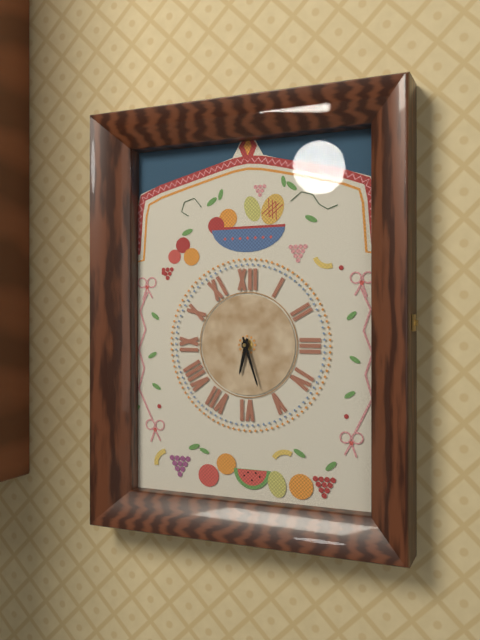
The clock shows 6:27
